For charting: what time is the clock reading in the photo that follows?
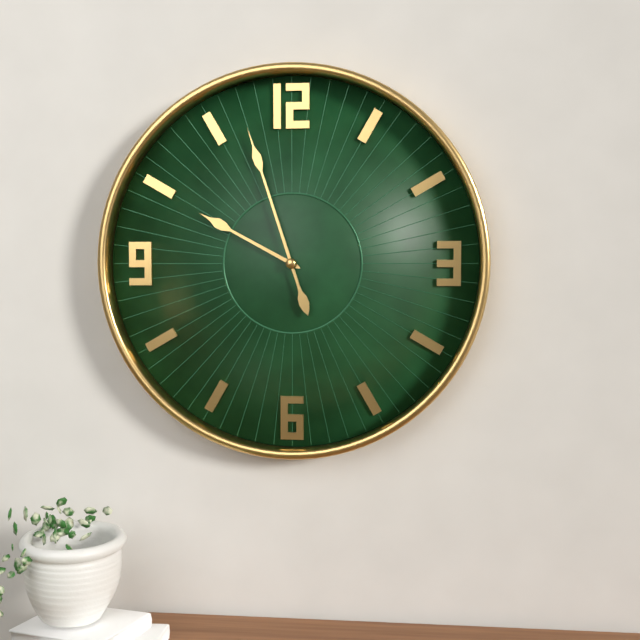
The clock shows 9:57
